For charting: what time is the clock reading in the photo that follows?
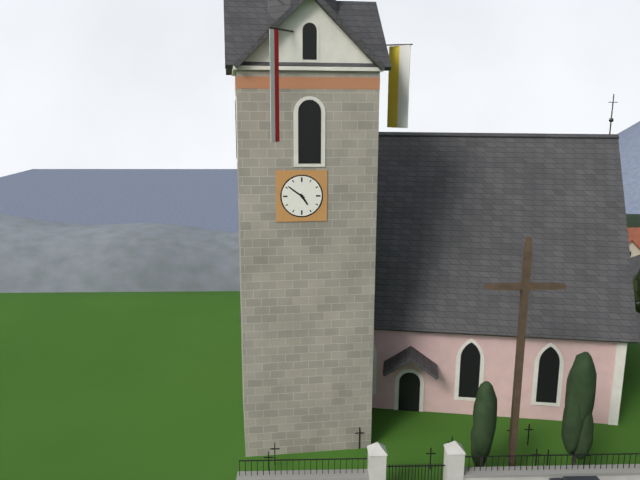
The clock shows 4:51
